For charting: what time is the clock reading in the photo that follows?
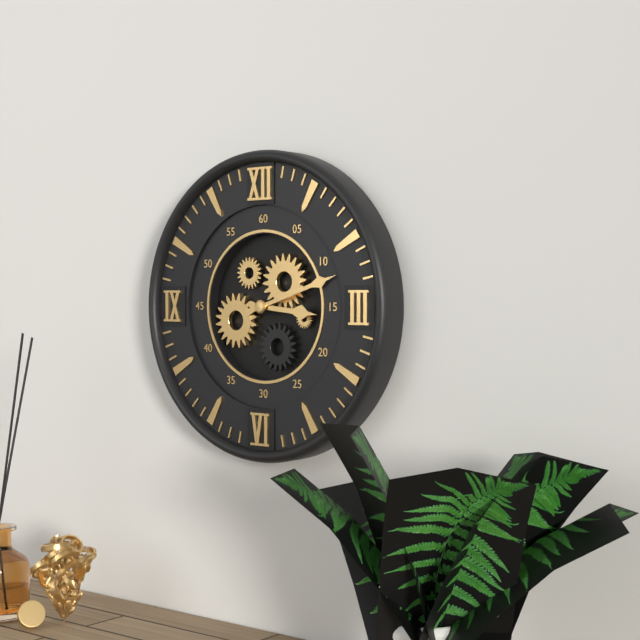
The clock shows 3:12
